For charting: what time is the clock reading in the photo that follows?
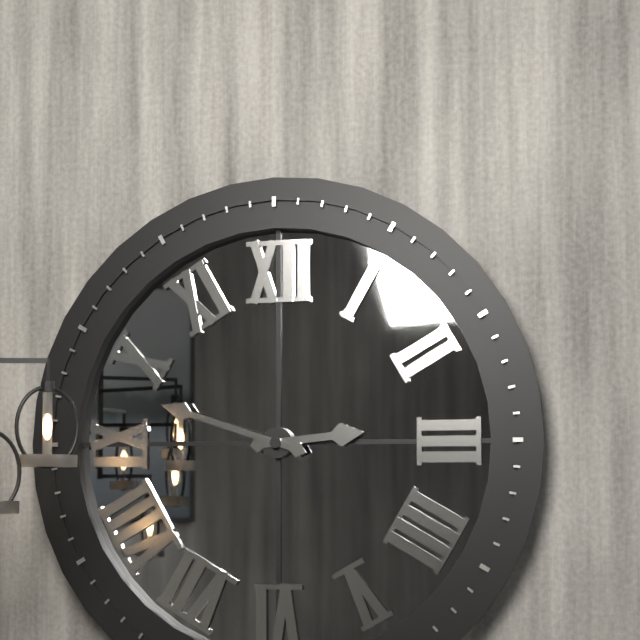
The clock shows 2:48
